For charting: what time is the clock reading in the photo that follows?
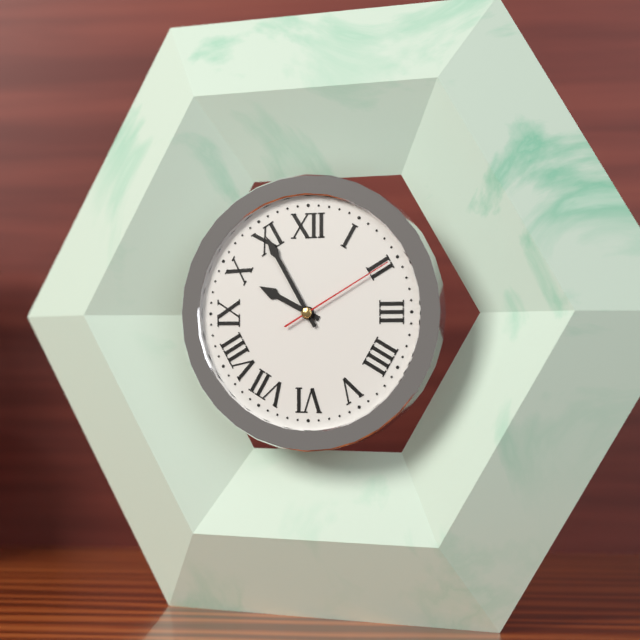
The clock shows 9:55:10
